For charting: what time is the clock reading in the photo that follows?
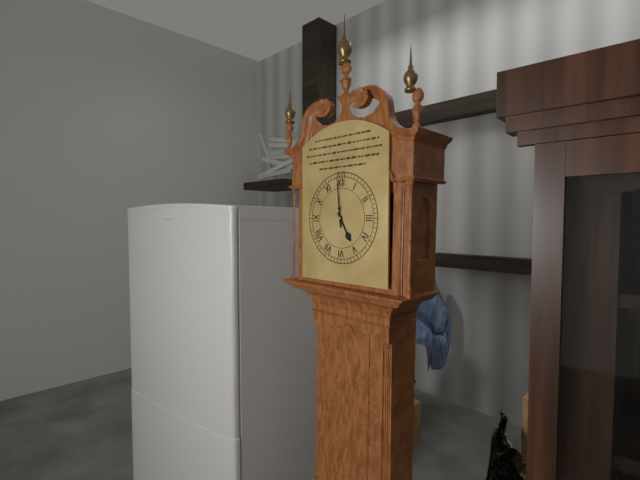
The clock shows 4:59
